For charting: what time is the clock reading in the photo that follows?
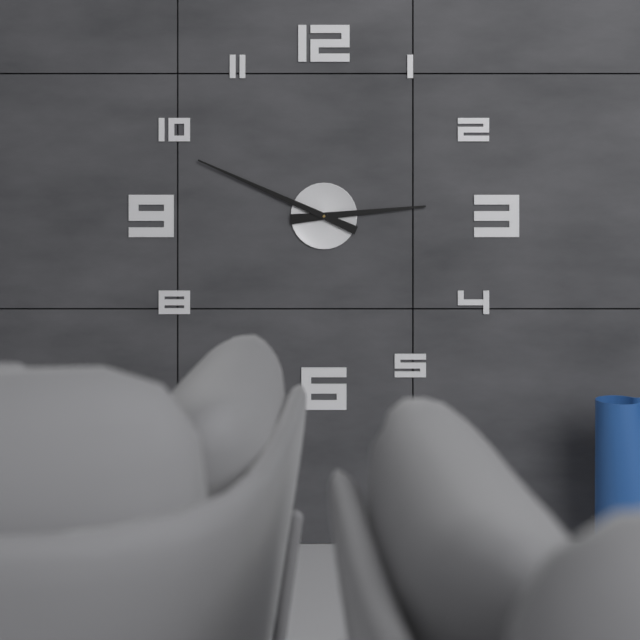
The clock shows 2:49
